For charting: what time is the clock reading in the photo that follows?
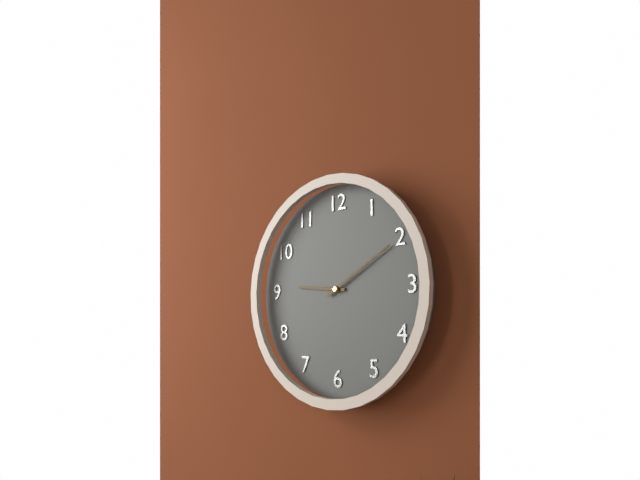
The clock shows 9:10
